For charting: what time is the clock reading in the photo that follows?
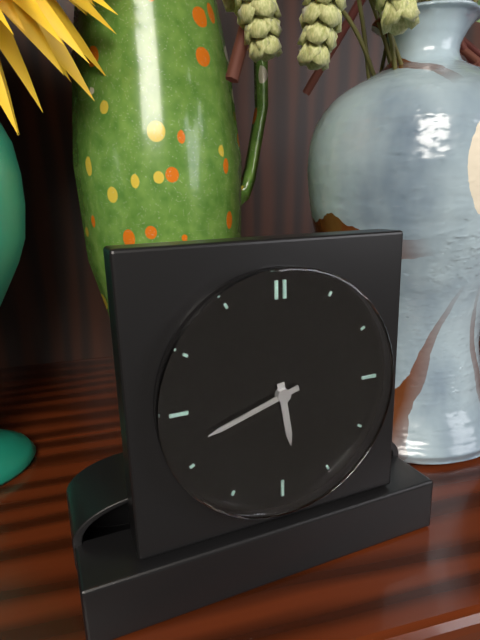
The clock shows 5:42
